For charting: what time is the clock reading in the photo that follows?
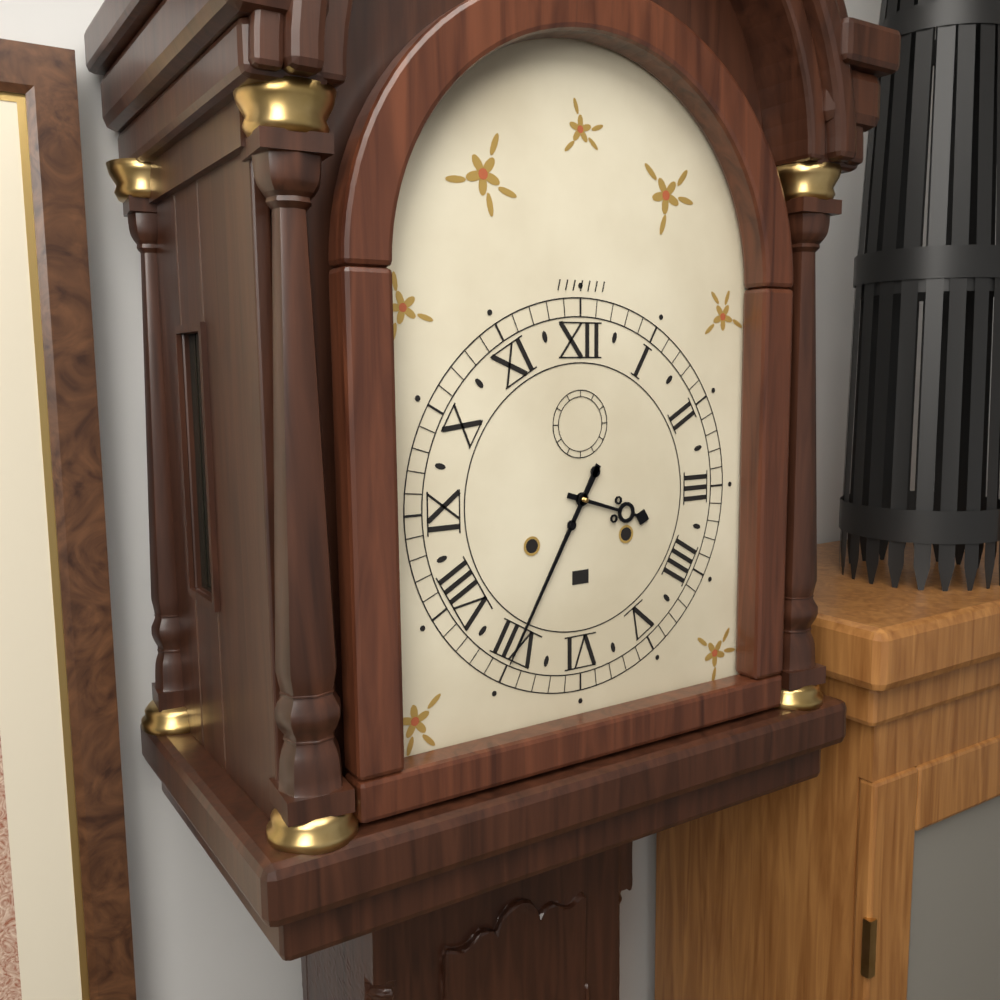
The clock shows 3:35
